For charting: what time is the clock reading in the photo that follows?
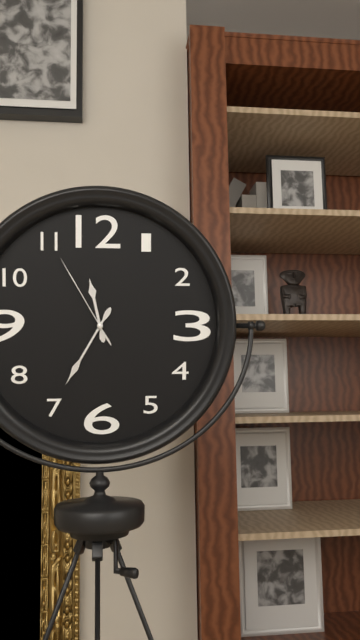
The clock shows 11:35:55
